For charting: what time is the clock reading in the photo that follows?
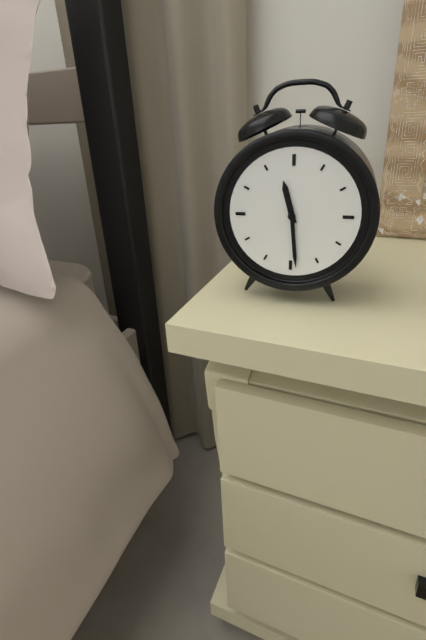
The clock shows 11:29
